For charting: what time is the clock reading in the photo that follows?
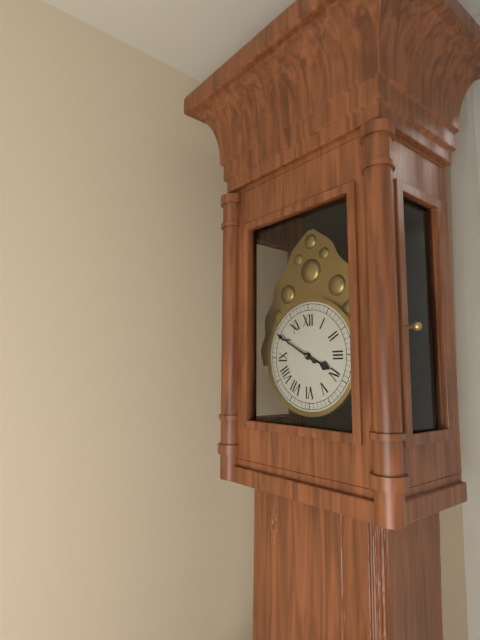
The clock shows 3:50
